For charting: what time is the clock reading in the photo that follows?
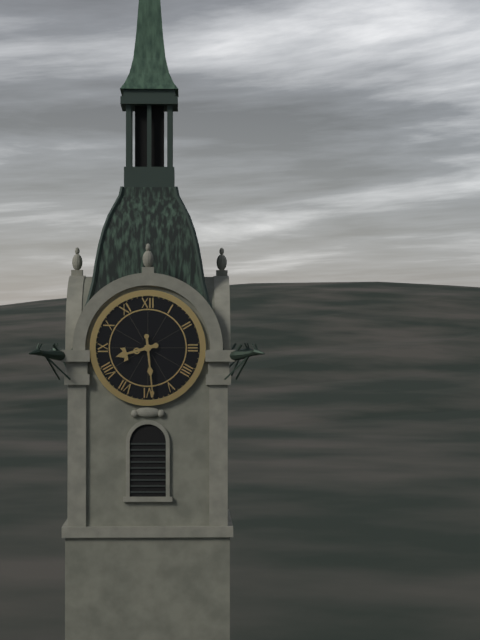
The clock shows 8:29
